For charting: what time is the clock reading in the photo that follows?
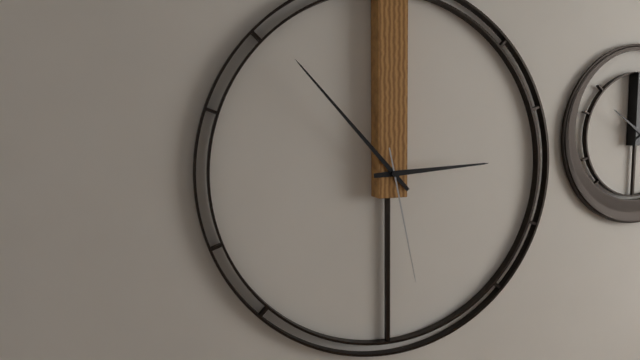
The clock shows 2:53:28
